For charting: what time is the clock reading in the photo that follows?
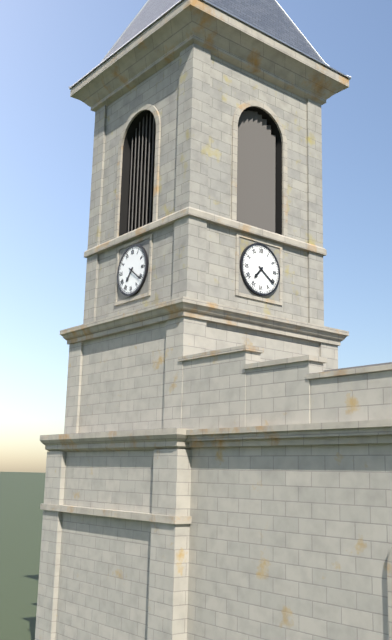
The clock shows 7:21
